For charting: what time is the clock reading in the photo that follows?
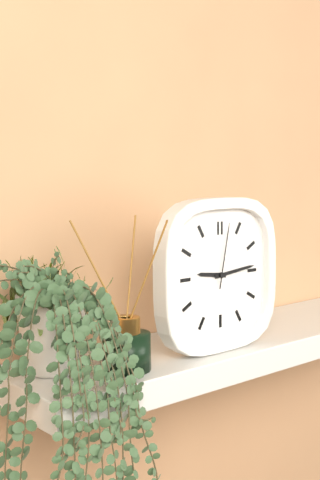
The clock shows 9:14:02
